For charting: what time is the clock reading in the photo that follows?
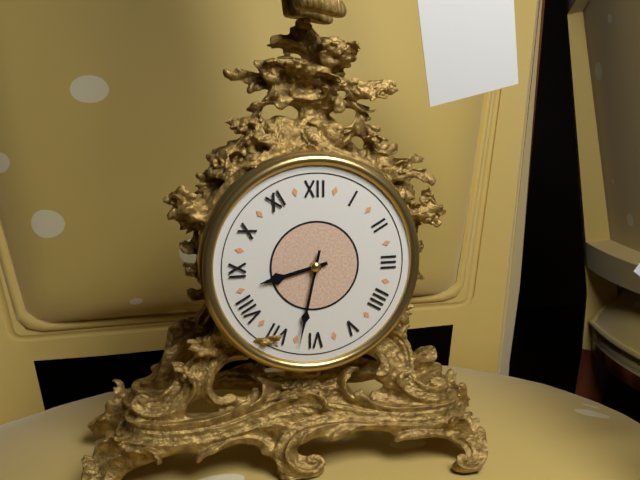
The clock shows 8:32
